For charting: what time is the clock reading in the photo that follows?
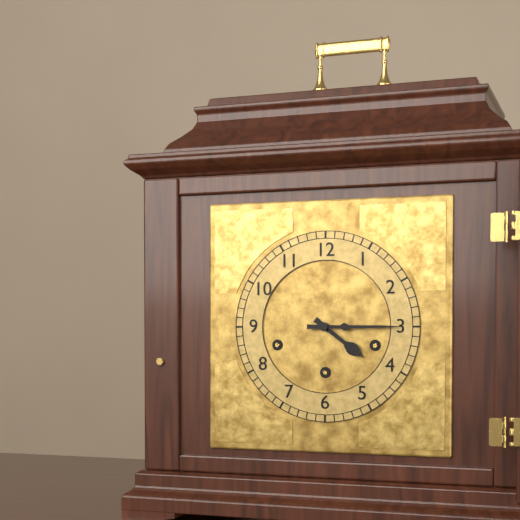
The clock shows 4:15
